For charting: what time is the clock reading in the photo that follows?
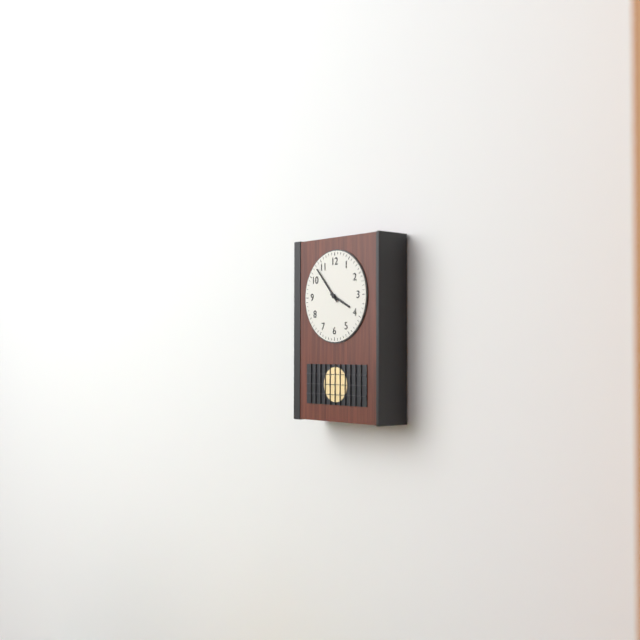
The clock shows 3:53
